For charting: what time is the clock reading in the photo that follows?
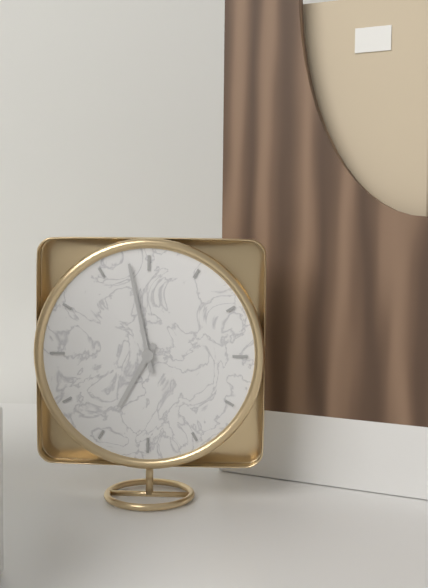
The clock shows 6:58
